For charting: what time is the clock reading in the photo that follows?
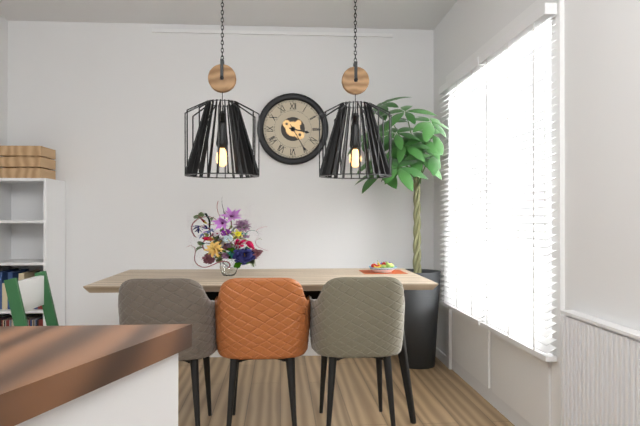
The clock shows 3:25
